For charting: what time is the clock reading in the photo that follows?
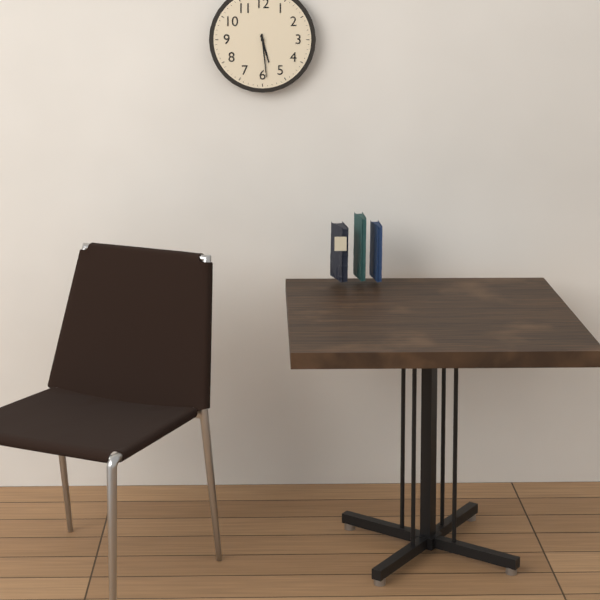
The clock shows 5:29
